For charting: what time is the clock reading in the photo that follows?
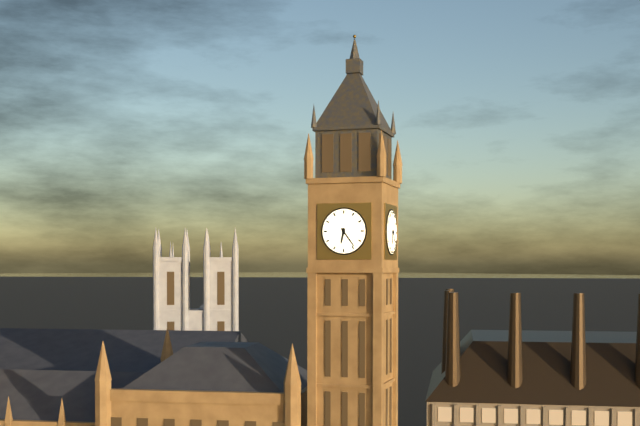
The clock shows 6:24
